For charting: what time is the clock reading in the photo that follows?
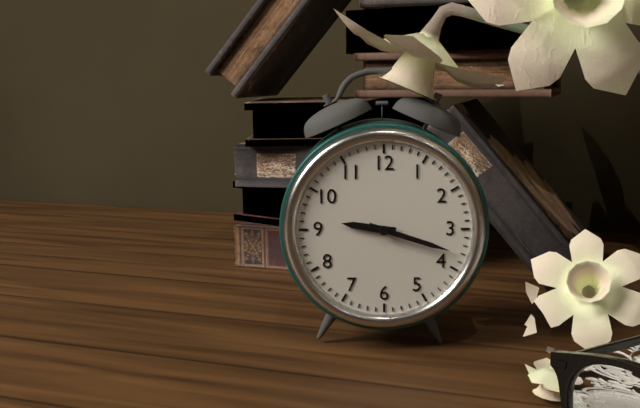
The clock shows 9:18
